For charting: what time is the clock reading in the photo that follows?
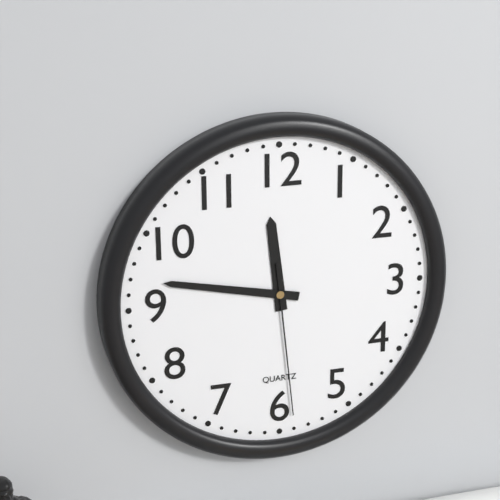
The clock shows 11:47:29
